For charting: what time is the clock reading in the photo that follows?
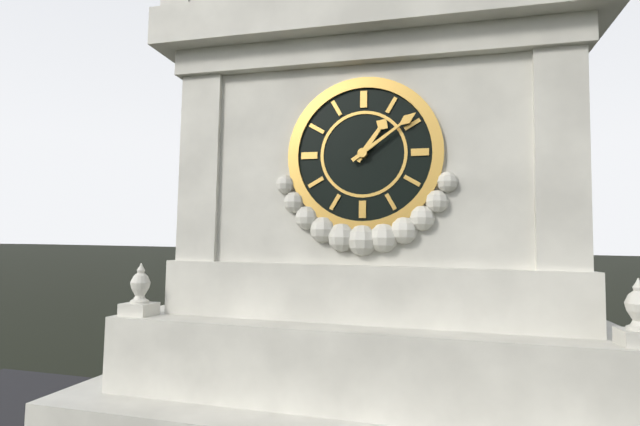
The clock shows 1:09
